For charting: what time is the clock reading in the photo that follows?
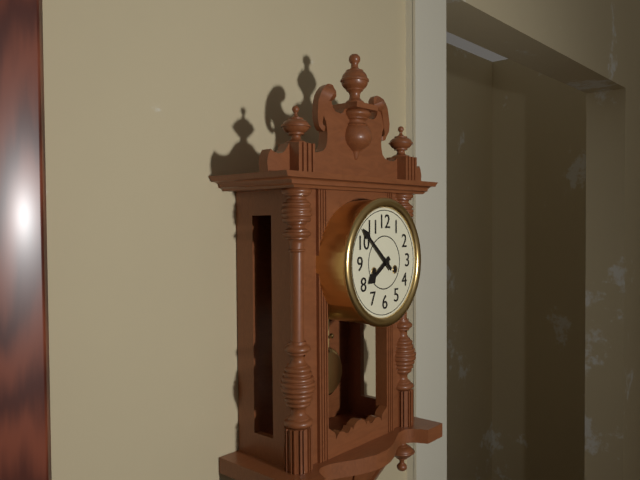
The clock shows 7:52
